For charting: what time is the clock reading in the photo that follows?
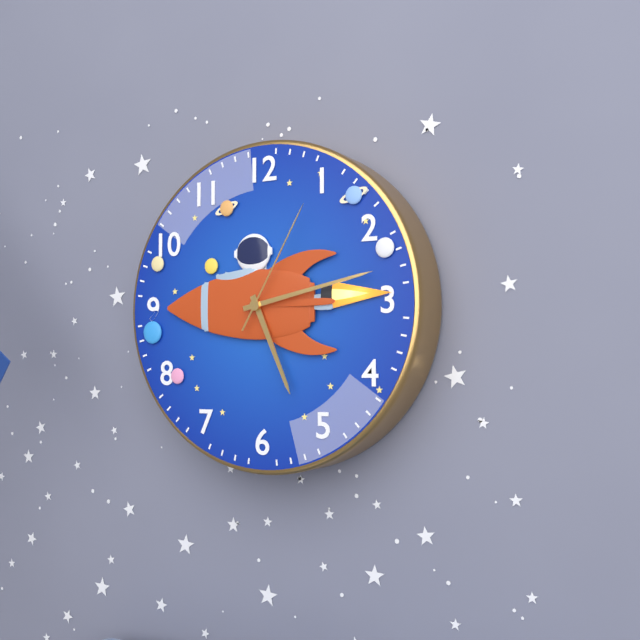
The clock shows 5:13:05
